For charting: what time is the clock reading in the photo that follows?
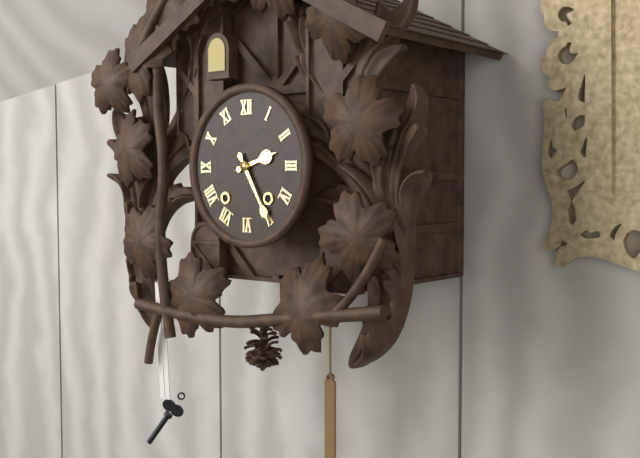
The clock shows 2:25
